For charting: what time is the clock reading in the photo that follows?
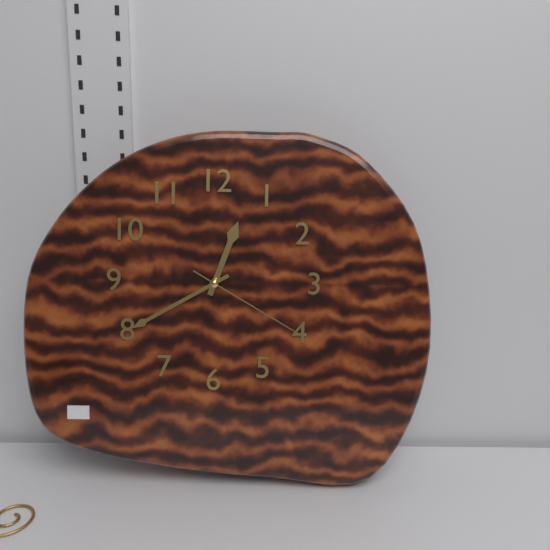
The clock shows 12:40:20
